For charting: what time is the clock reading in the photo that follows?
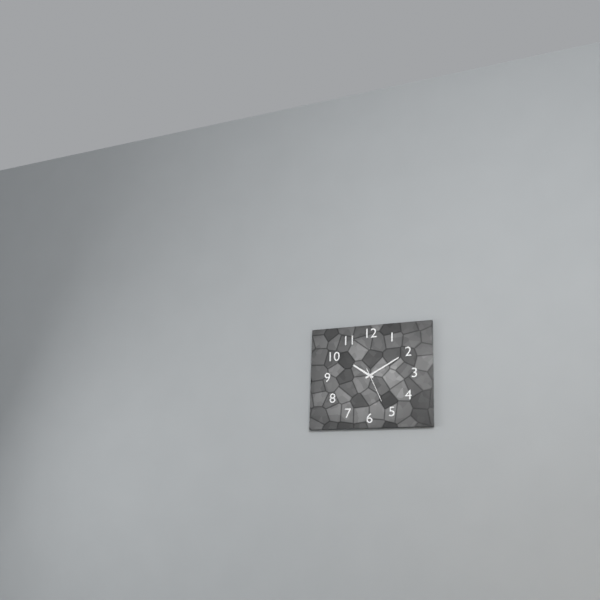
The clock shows 10:10
